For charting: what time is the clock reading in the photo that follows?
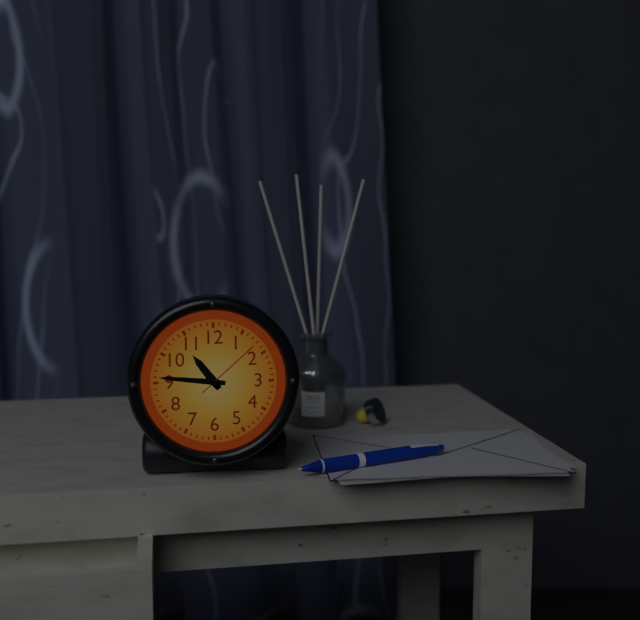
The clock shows 10:46:08
